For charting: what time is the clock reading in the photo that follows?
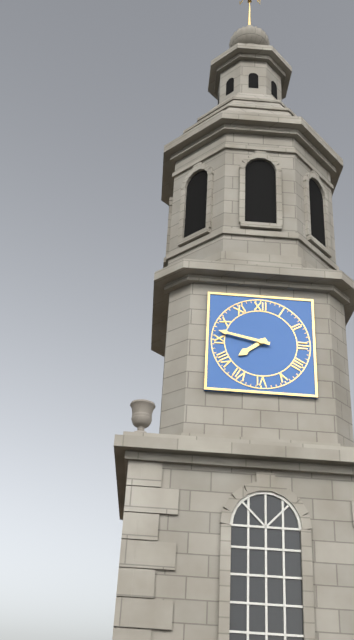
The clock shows 7:47
